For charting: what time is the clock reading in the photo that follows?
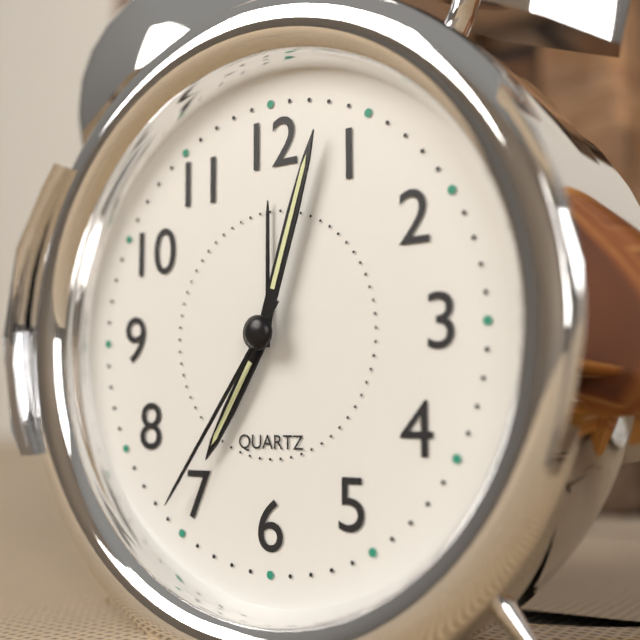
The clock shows 7:03:36
